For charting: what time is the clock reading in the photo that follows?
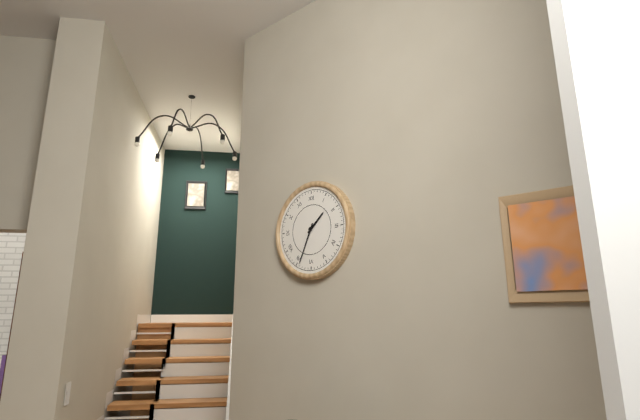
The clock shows 1:34
